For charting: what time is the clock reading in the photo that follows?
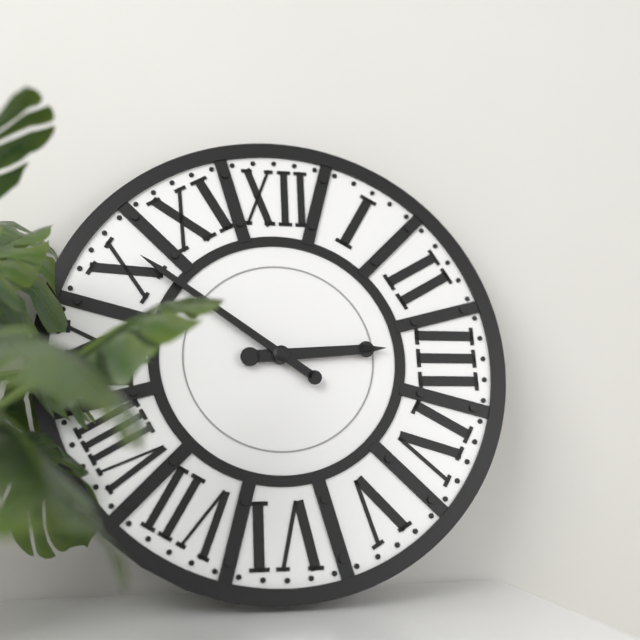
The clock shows 2:51
